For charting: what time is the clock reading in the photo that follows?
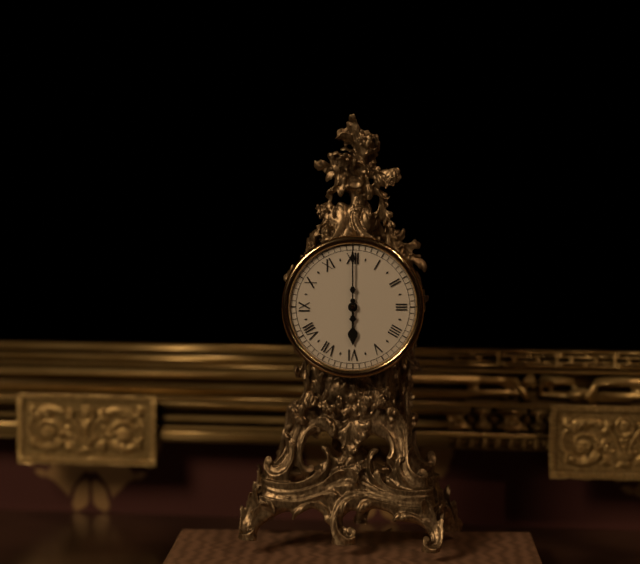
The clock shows 6:00
